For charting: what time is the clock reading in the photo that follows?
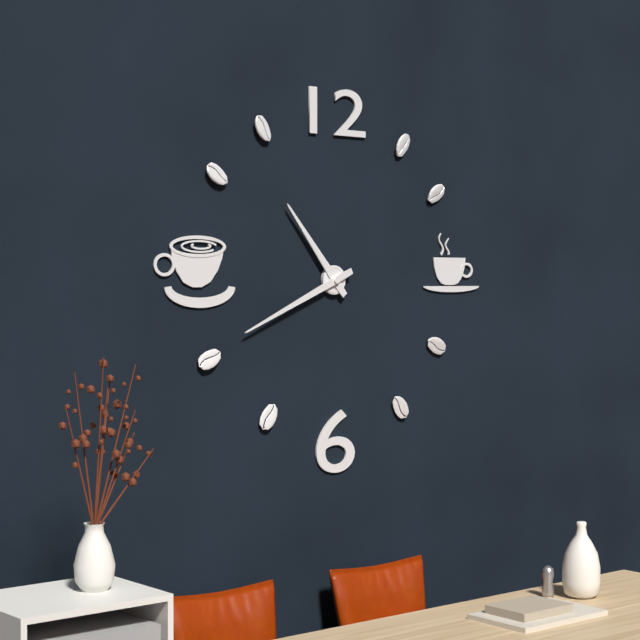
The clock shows 10:41
